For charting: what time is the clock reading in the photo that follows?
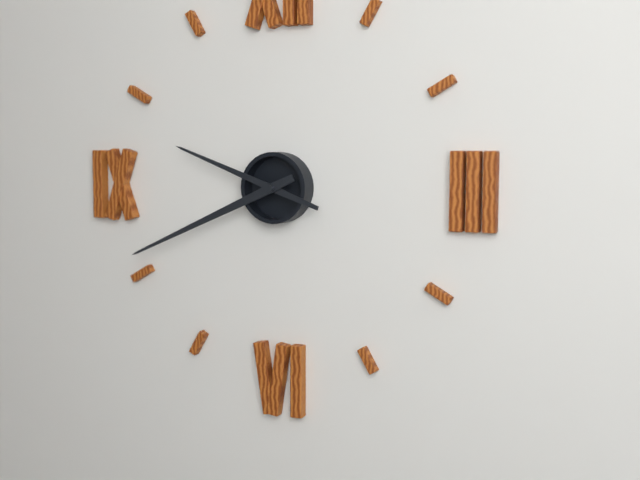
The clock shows 9:41
